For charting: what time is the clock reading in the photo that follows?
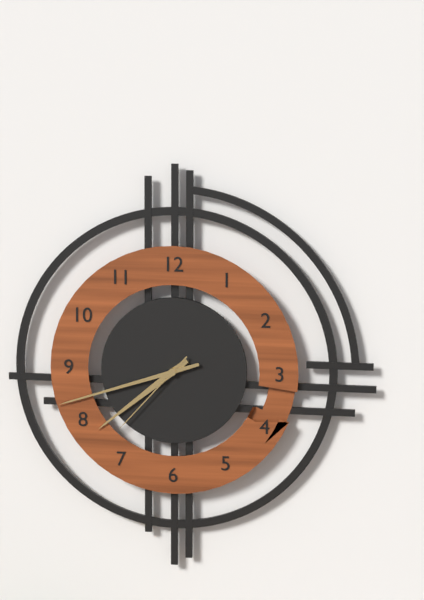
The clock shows 7:42:37
